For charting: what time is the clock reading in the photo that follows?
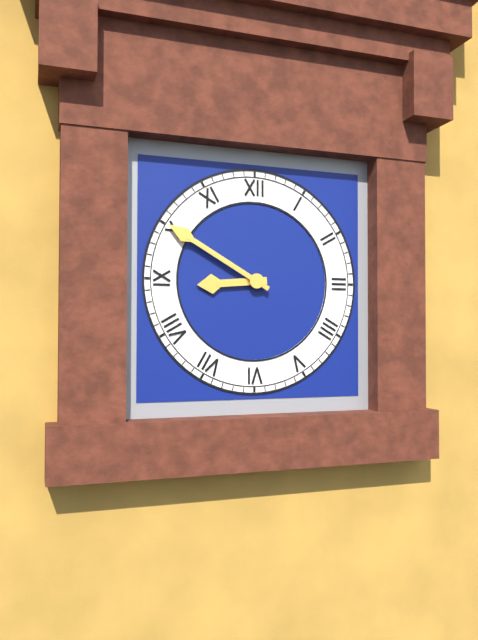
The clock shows 8:50
